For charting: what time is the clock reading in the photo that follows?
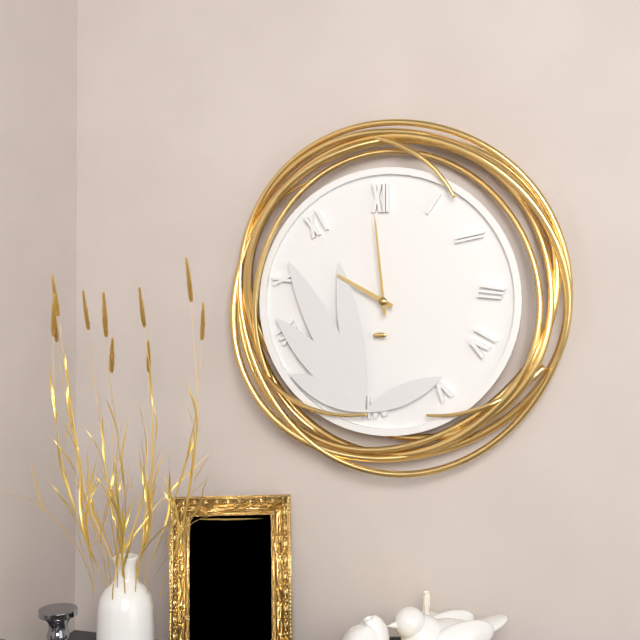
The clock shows 9:59
